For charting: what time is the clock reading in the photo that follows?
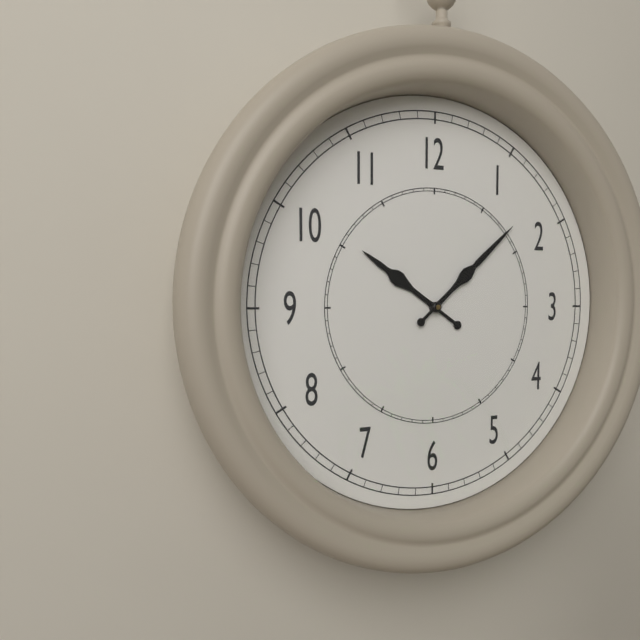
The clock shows 10:08
